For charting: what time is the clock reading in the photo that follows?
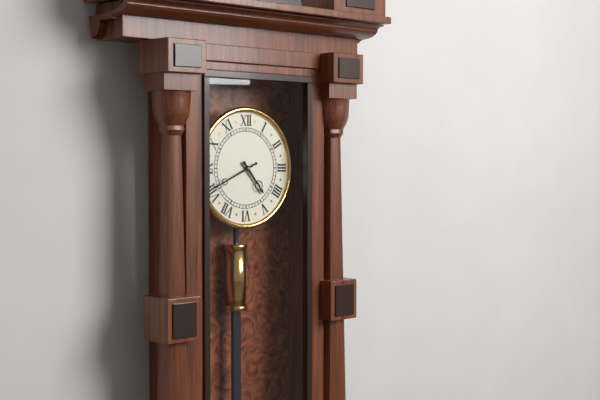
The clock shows 4:41
